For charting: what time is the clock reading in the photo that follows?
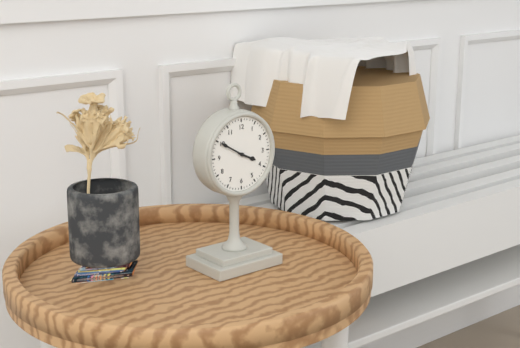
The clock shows 3:50
